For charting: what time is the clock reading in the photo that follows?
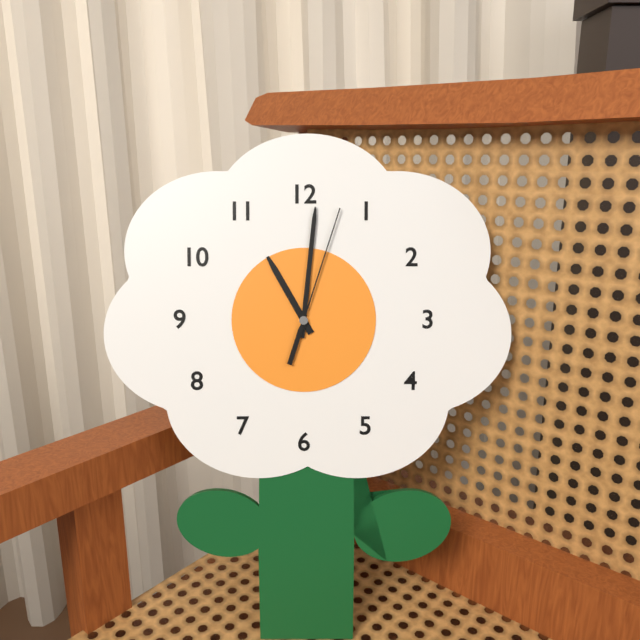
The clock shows 11:01:03
